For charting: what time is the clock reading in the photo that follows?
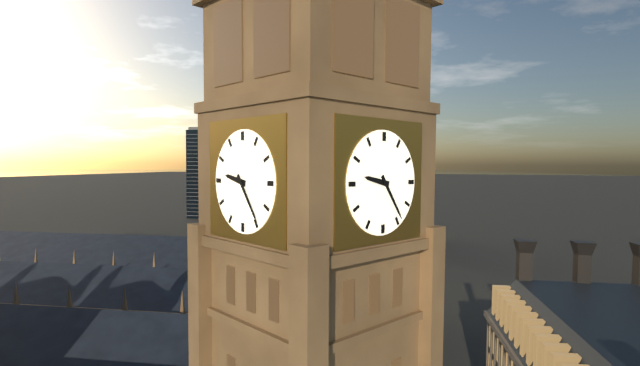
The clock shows 9:24
